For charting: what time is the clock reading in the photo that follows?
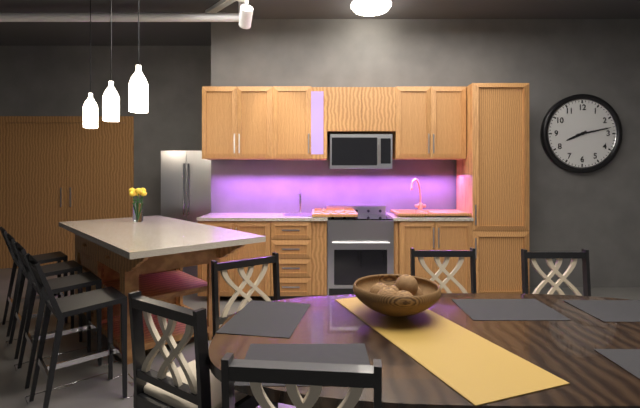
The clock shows 8:13
